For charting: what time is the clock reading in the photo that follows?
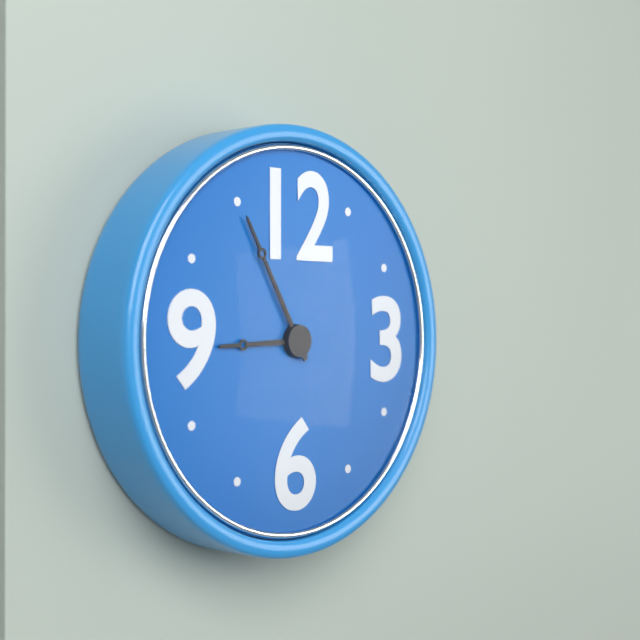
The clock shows 8:55
